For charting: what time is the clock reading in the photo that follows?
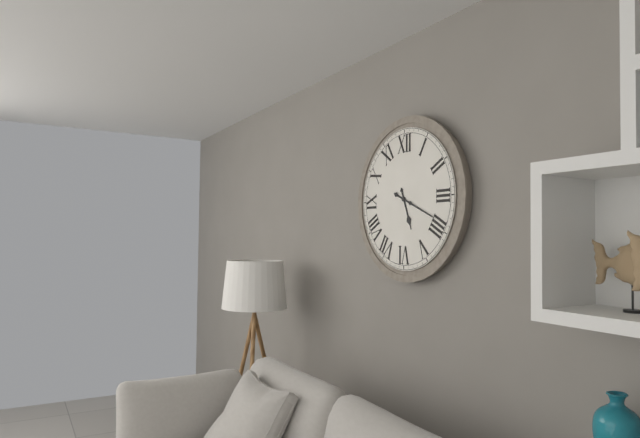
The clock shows 5:19
